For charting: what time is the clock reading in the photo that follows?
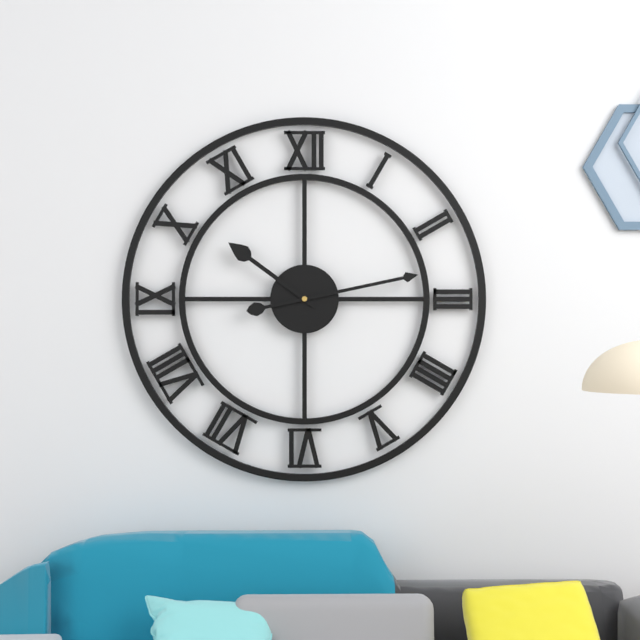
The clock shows 10:13
